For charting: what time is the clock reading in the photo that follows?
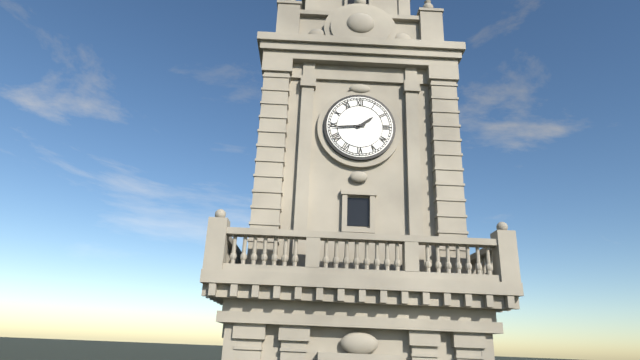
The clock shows 1:44
